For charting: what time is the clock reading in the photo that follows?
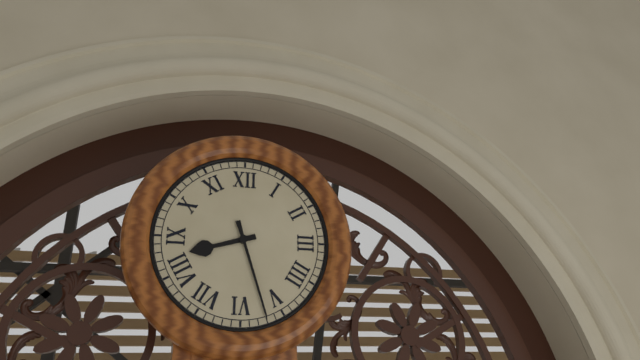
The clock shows 8:27
